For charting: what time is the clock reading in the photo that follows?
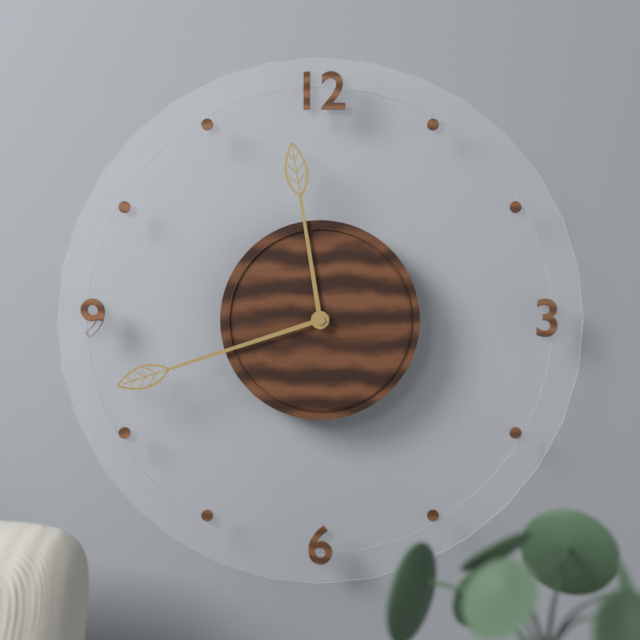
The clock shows 11:42
